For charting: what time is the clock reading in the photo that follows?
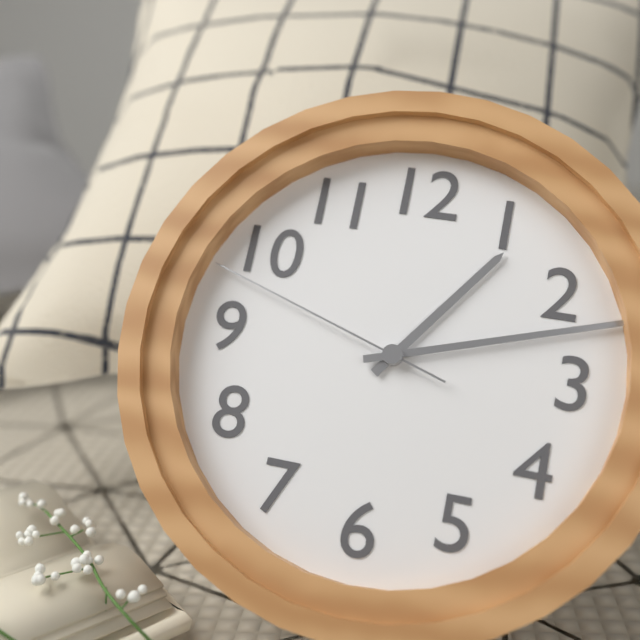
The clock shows 1:12:48
